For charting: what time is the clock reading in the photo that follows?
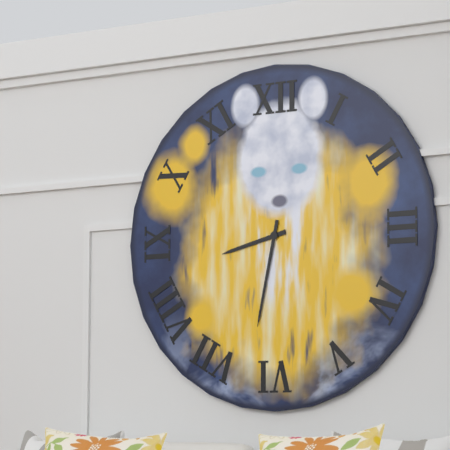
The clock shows 8:32
